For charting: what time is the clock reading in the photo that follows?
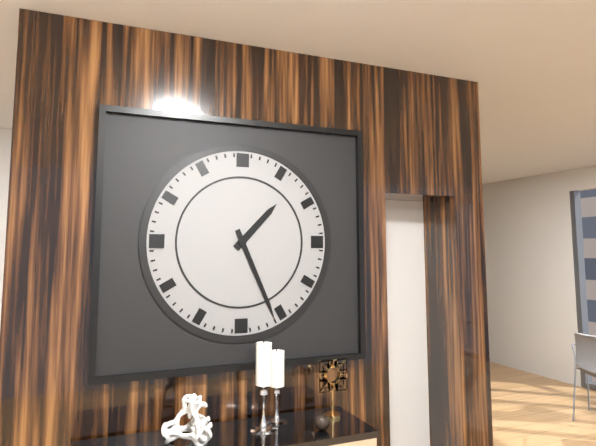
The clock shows 1:26
